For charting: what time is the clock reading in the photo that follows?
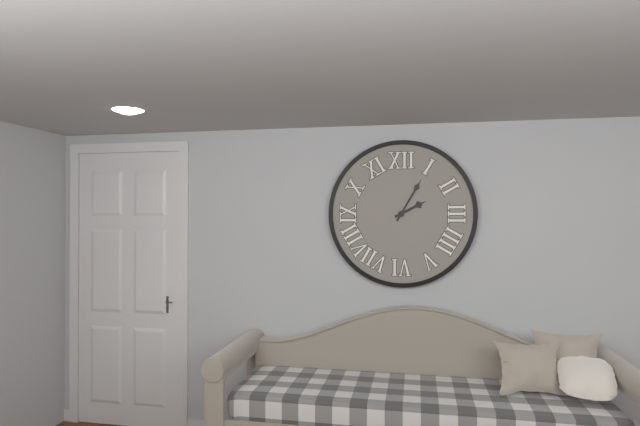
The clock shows 2:05
